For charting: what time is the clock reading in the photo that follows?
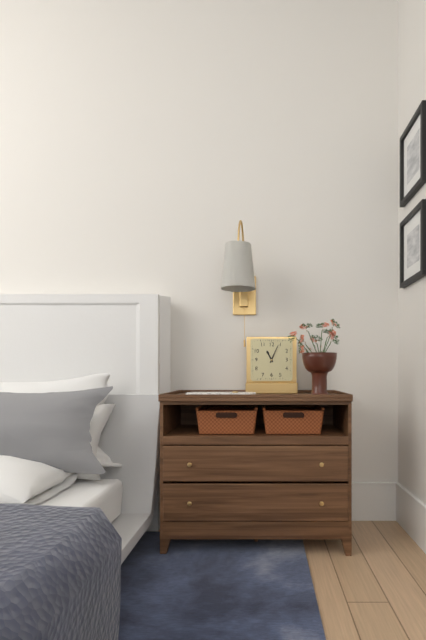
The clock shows 11:04
